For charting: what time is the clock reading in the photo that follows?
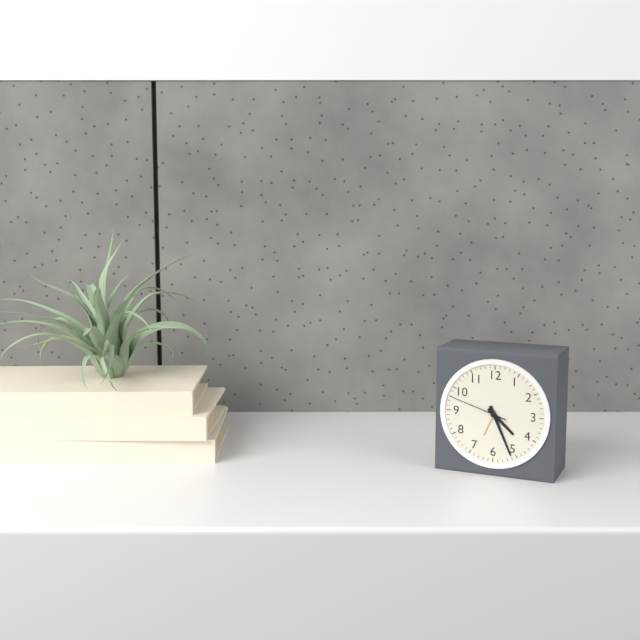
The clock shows 4:26:48
